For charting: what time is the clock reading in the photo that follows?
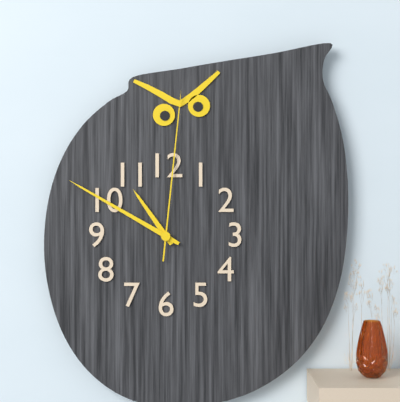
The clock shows 10:50:01
